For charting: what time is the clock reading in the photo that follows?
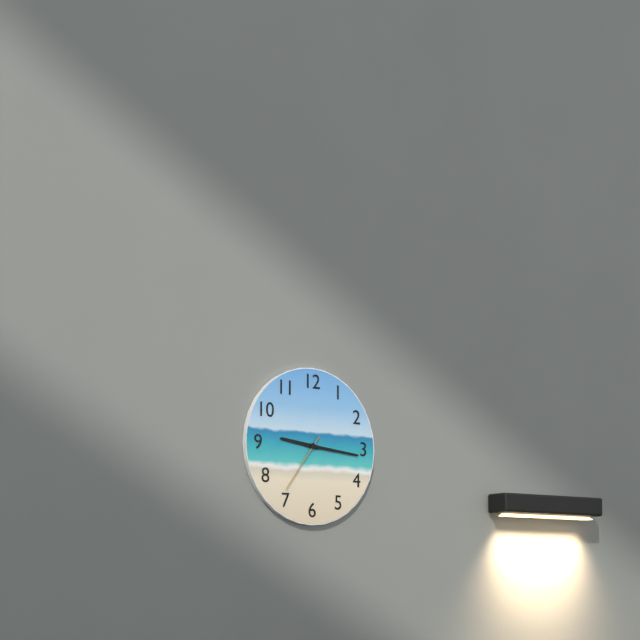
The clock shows 9:16:36
